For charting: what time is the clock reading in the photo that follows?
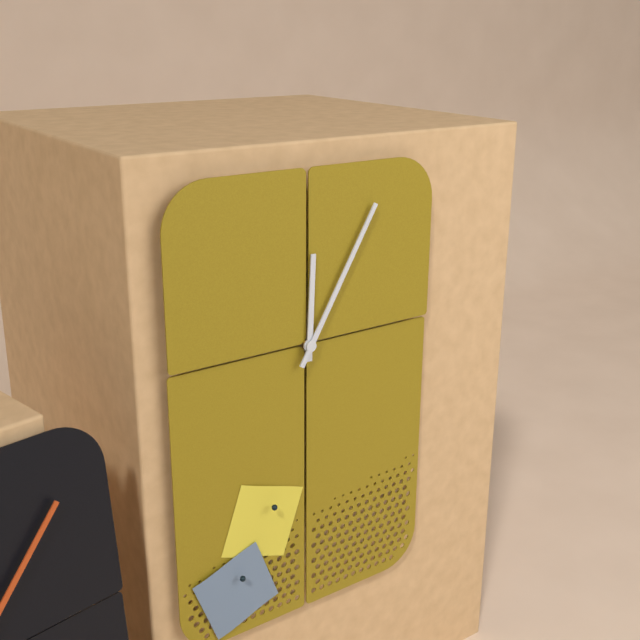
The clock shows 12:05
